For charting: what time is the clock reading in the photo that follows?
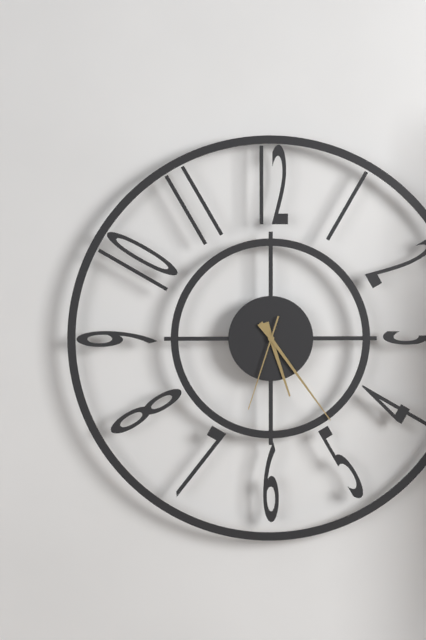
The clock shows 5:24:33
